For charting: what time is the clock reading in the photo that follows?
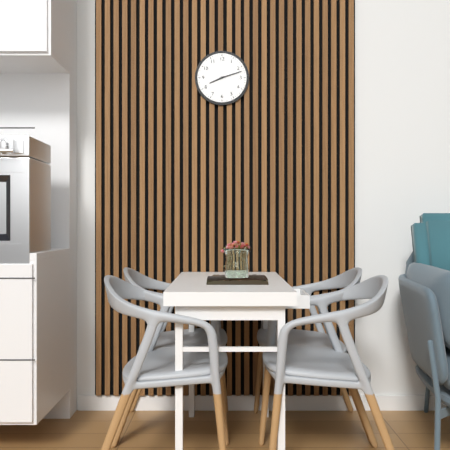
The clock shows 8:12
